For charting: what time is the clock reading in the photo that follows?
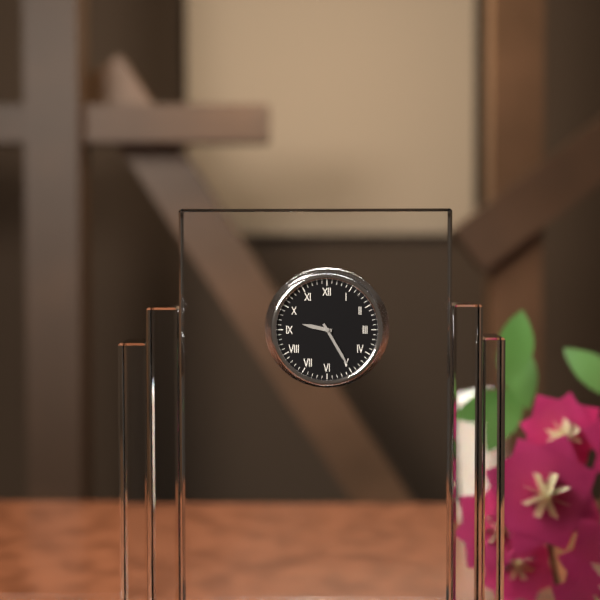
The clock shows 9:25
